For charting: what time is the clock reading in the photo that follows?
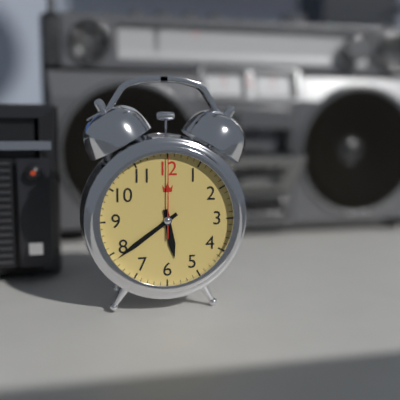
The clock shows 5:39:00
